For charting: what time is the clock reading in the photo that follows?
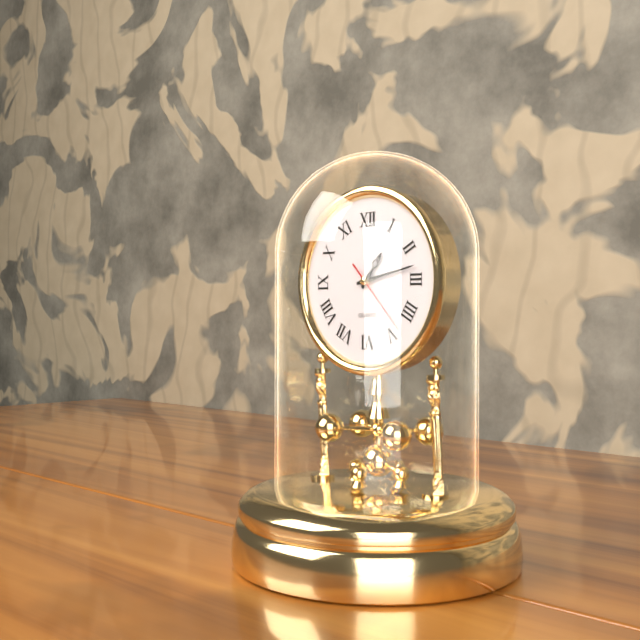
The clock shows 1:13:23
